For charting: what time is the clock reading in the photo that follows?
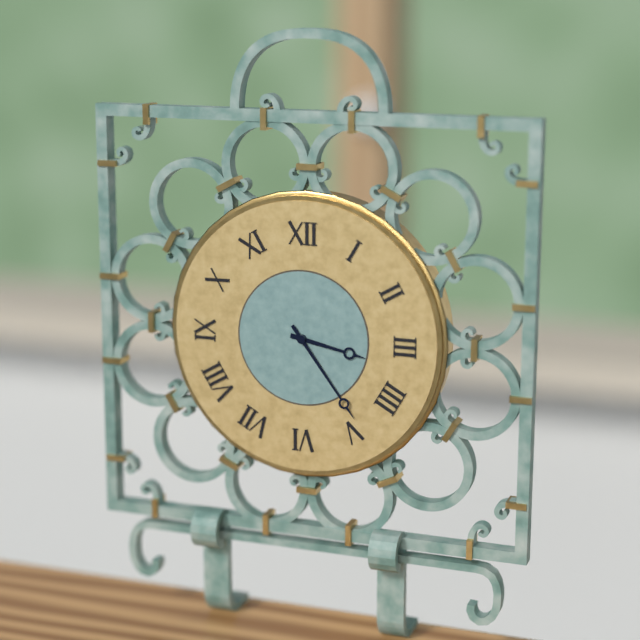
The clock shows 3:24
